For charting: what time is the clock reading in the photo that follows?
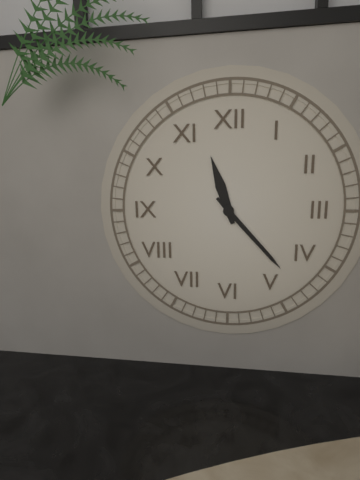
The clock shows 11:23
